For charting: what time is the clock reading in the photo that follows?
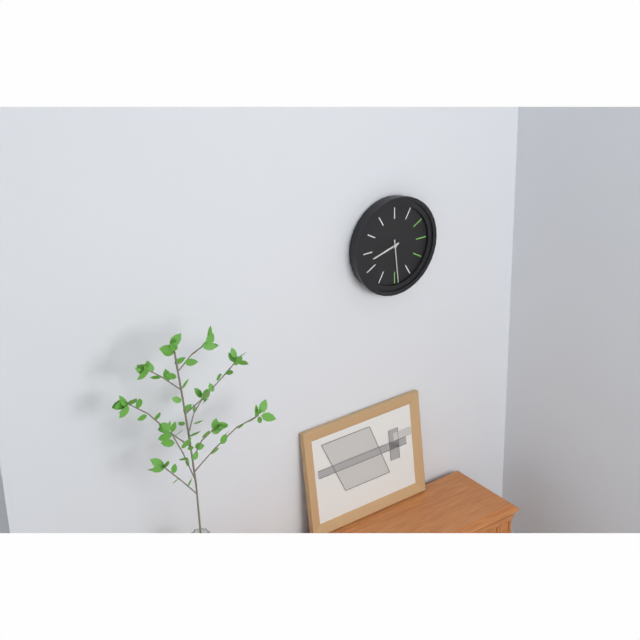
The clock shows 8:29
